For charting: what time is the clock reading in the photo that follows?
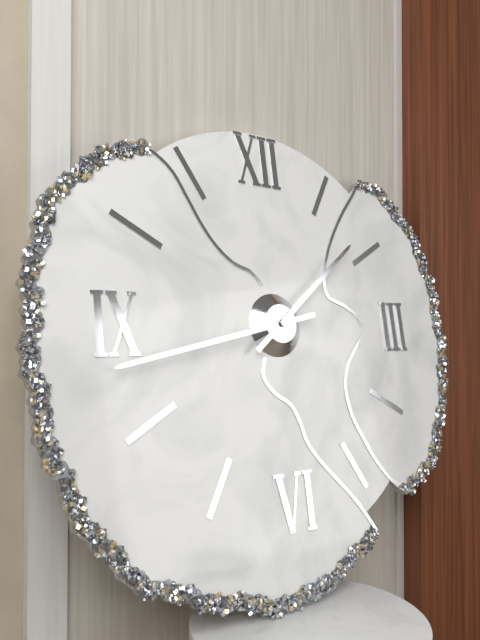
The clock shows 1:43
